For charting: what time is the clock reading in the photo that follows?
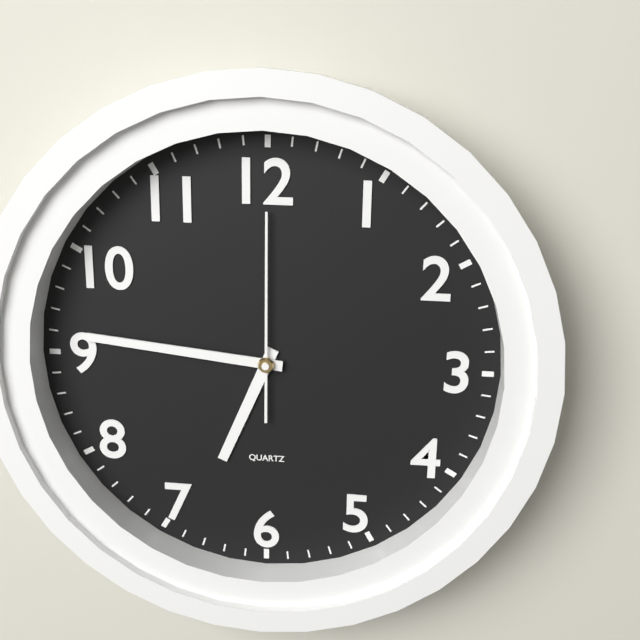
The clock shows 6:46:00
